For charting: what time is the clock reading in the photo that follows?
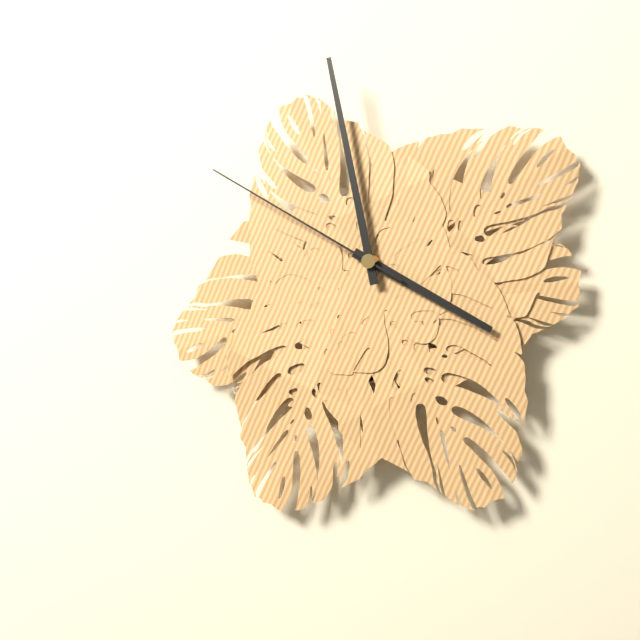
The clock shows 3:58:50
